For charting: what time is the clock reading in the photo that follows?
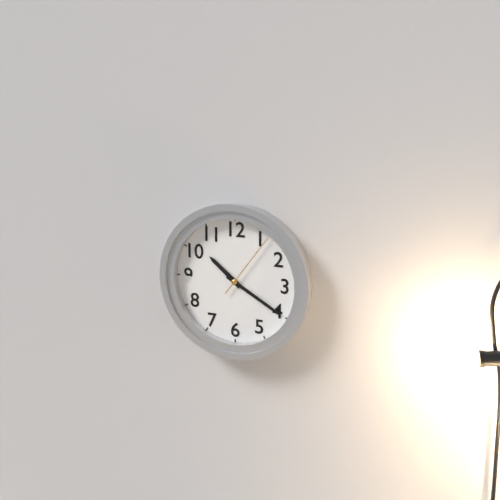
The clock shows 10:20:06
